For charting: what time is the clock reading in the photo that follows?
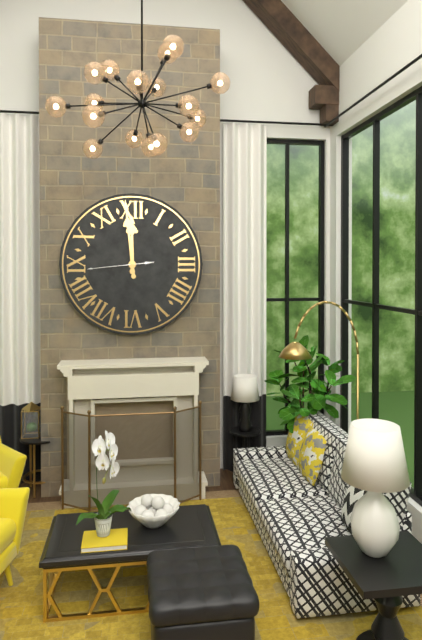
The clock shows 11:59:44
